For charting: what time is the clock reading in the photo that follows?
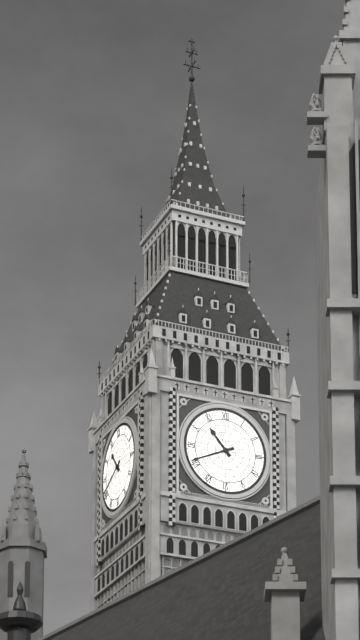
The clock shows 10:41
